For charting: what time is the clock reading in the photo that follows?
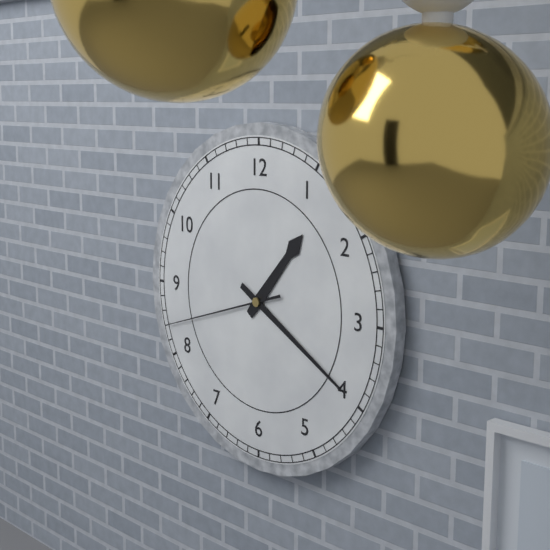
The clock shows 1:20:42
